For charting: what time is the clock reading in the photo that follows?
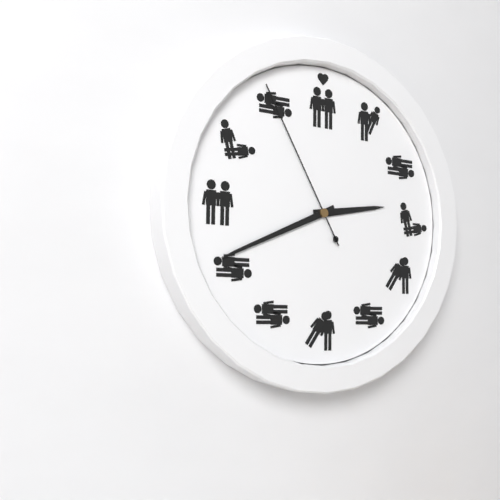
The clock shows 2:41:55
